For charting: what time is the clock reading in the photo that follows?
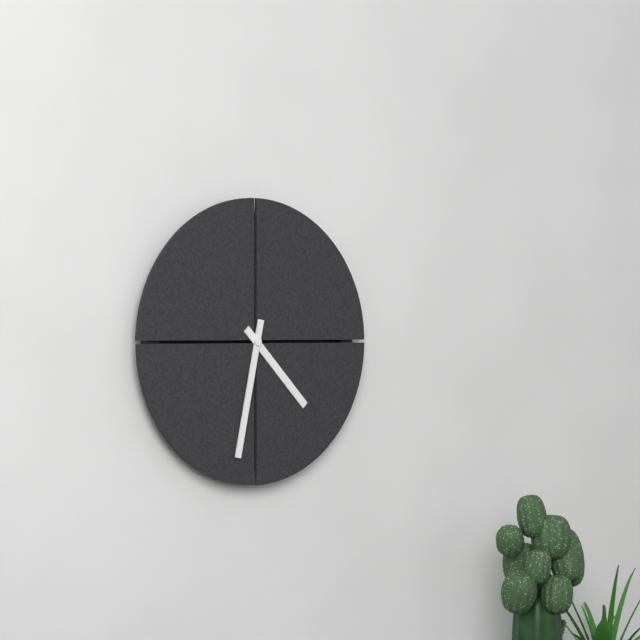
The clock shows 4:32
